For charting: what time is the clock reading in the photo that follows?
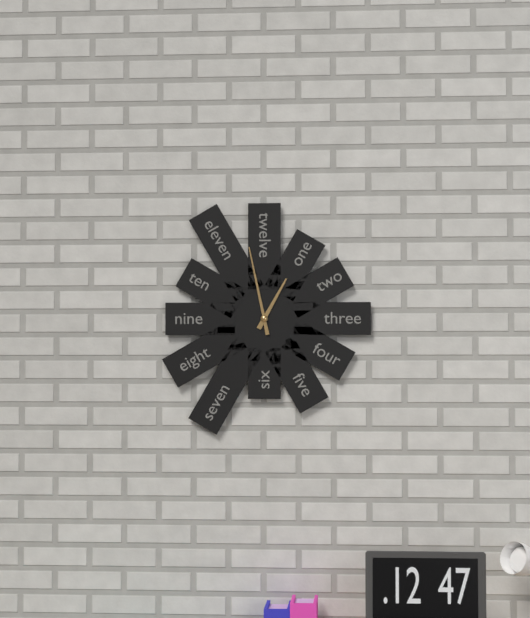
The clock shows 12:58
